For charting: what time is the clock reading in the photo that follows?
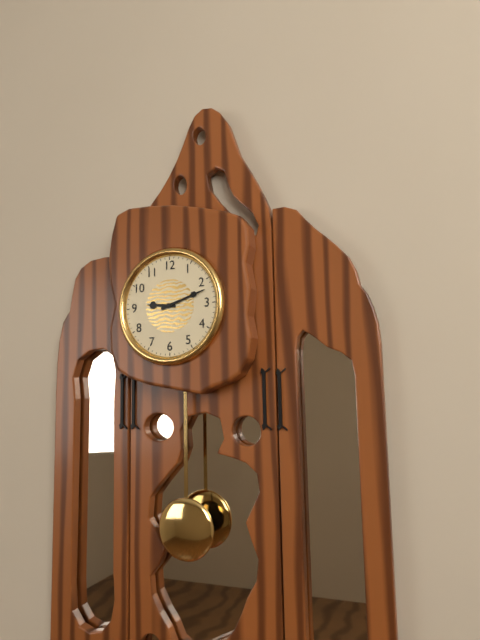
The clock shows 9:12
